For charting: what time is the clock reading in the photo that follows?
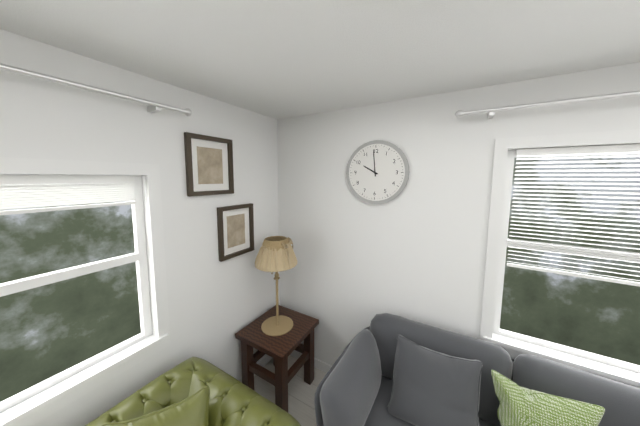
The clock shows 9:59
